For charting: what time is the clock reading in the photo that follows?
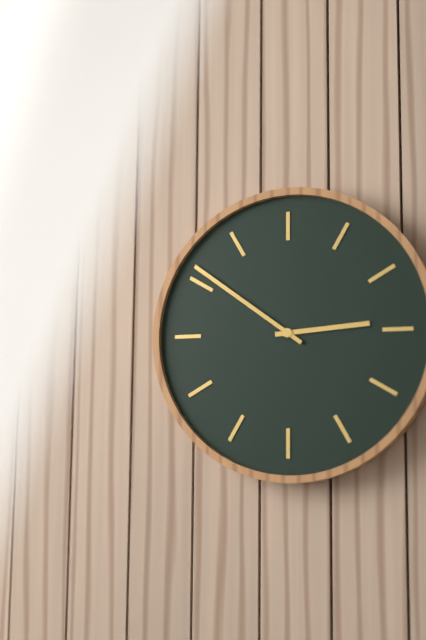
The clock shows 2:51
